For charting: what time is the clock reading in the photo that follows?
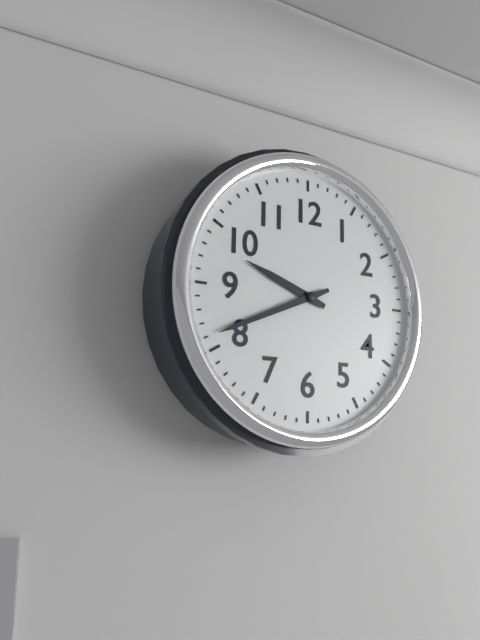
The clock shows 9:41
